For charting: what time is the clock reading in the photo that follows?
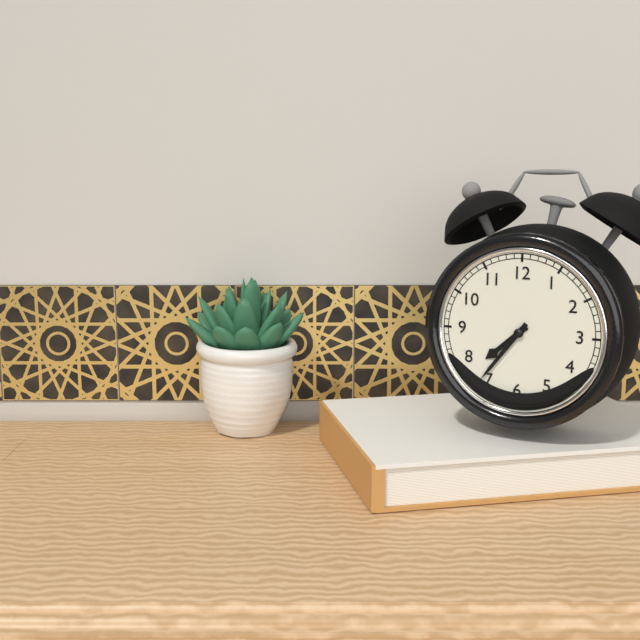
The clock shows 7:36
